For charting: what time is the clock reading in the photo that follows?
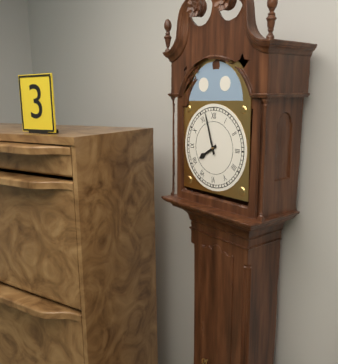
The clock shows 7:57
